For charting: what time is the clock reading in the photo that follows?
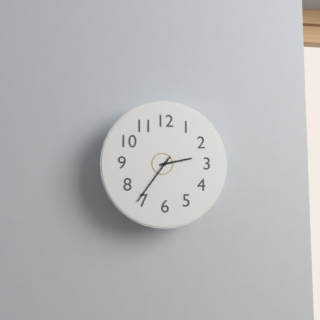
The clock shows 2:36
